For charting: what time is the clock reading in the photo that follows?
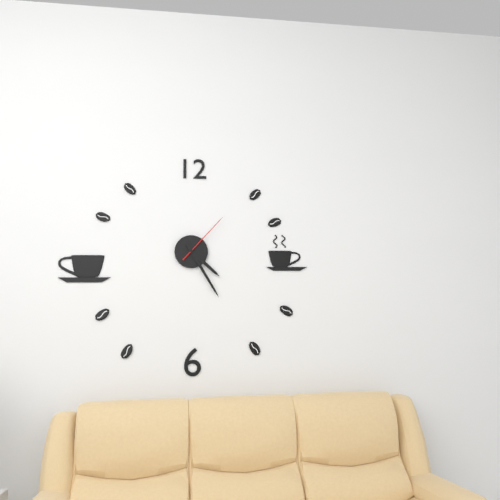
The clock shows 4:25:07
